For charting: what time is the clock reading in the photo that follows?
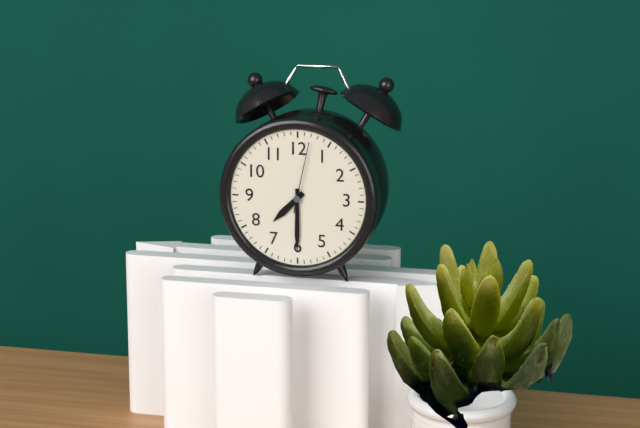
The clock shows 7:30:02
